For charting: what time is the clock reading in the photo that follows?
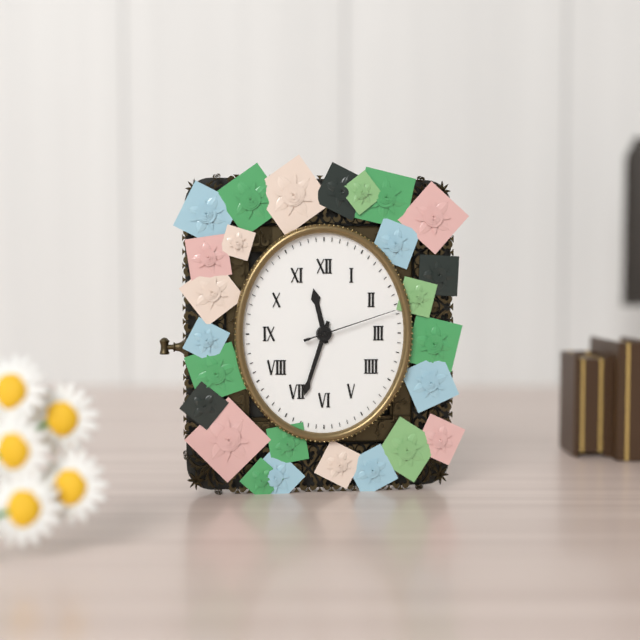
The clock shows 11:33:12
